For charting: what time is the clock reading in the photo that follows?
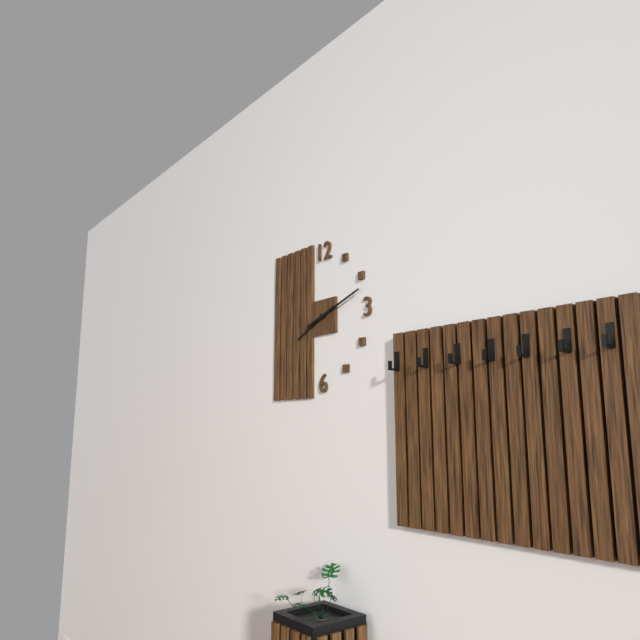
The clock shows 8:12
